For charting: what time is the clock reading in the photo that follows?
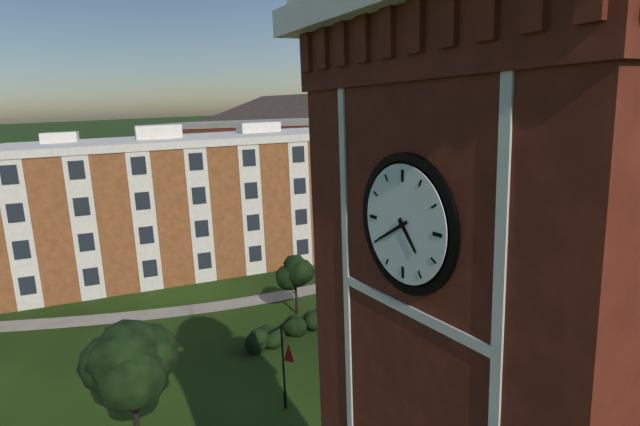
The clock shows 4:40
